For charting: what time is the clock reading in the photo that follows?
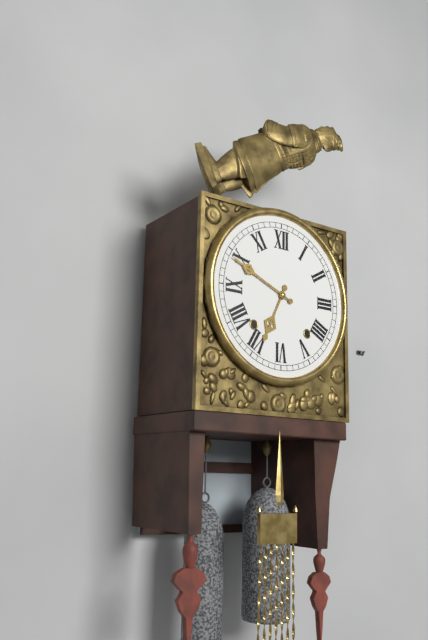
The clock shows 6:49
